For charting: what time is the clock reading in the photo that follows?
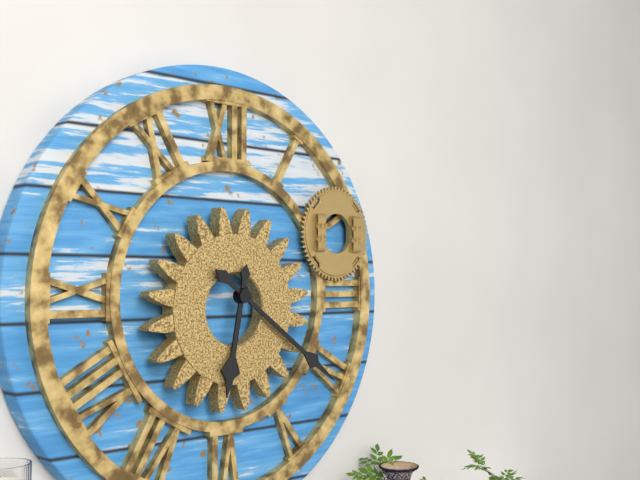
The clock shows 6:21
